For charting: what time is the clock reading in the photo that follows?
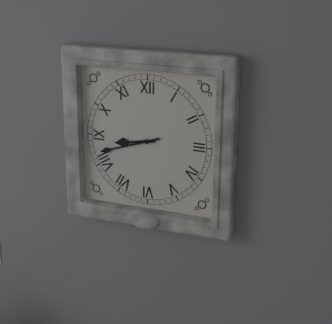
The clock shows 8:42
